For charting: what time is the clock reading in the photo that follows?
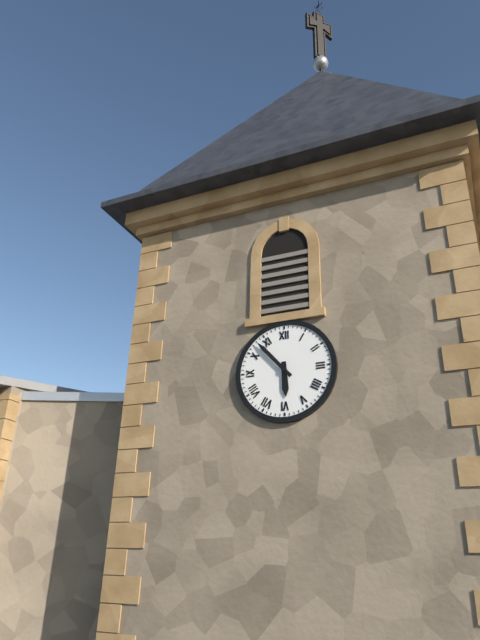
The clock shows 5:53
